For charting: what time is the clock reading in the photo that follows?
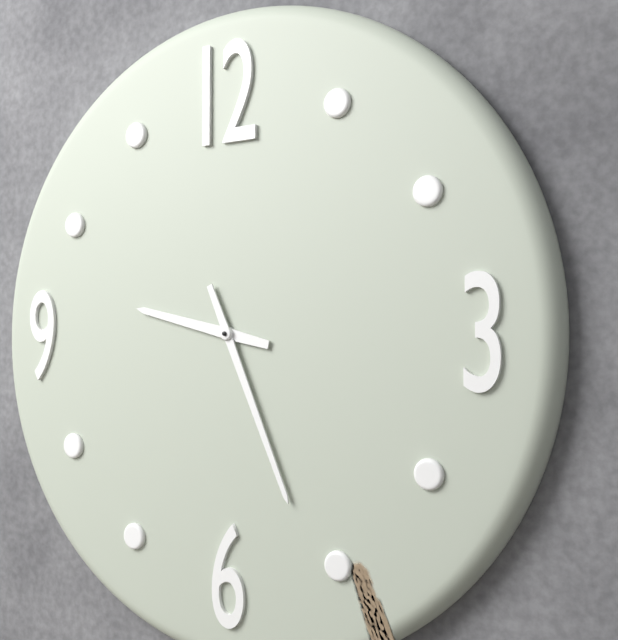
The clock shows 9:26
